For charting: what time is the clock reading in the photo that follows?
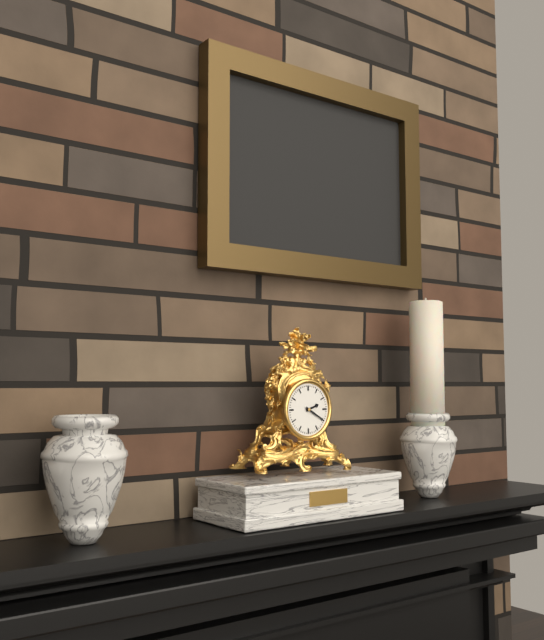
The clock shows 2:20
